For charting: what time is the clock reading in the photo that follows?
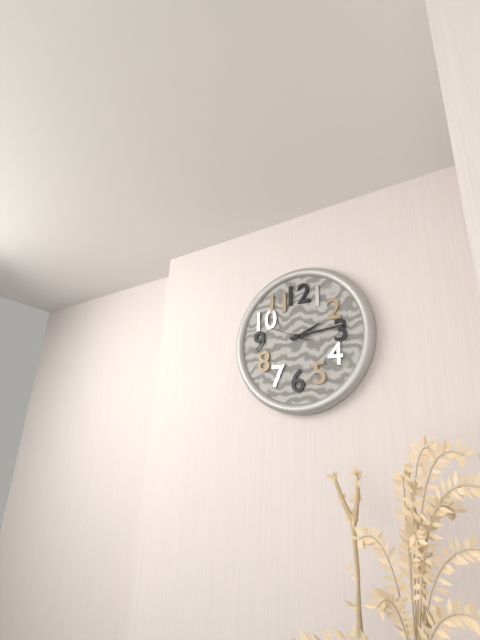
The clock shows 2:14
